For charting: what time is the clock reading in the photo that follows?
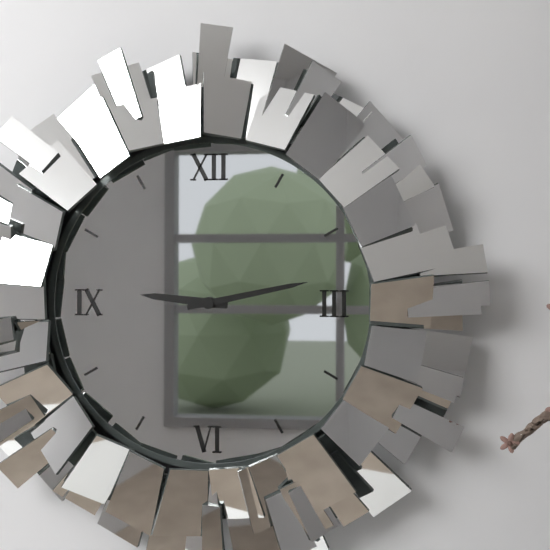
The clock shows 9:13
